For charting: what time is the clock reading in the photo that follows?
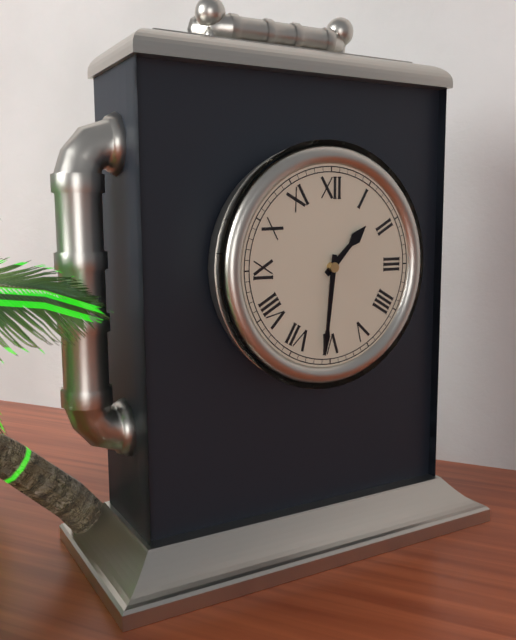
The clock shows 1:31
